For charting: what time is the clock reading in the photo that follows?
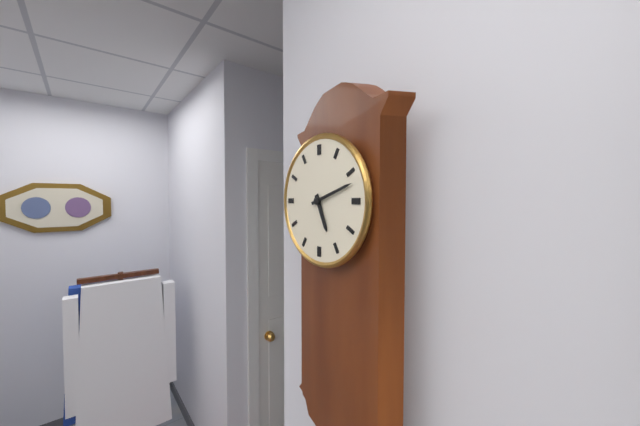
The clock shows 5:12
